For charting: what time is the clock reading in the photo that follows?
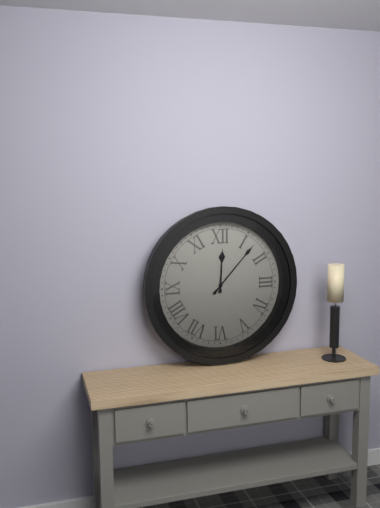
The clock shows 12:07
